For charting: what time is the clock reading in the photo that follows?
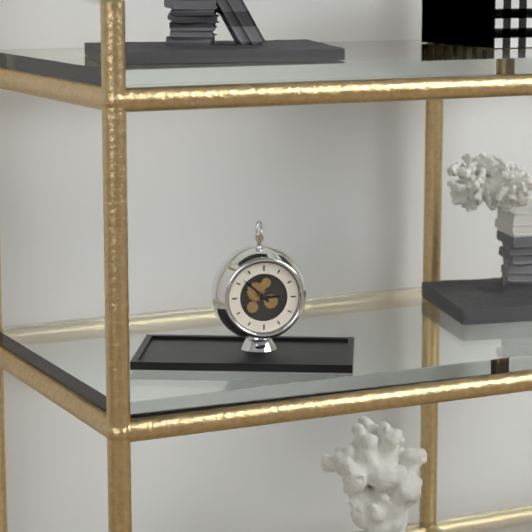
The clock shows 2:52
